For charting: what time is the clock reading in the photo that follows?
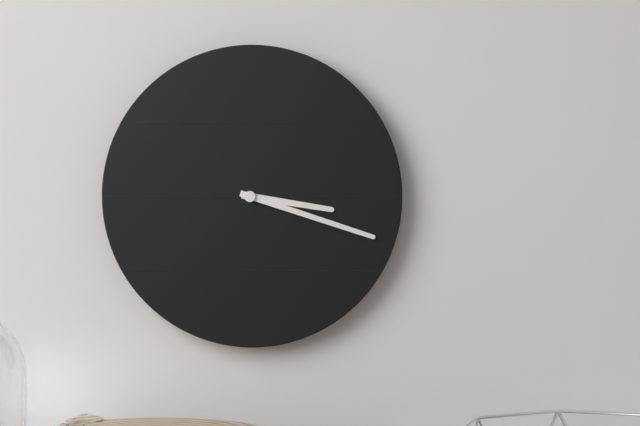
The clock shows 3:18
